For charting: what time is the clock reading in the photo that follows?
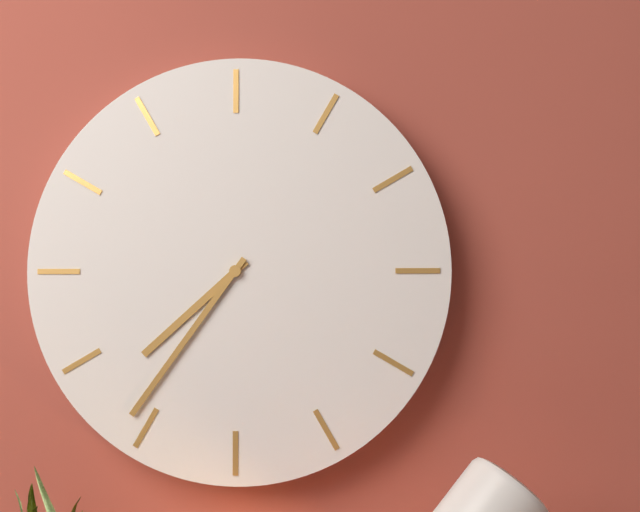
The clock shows 7:36
